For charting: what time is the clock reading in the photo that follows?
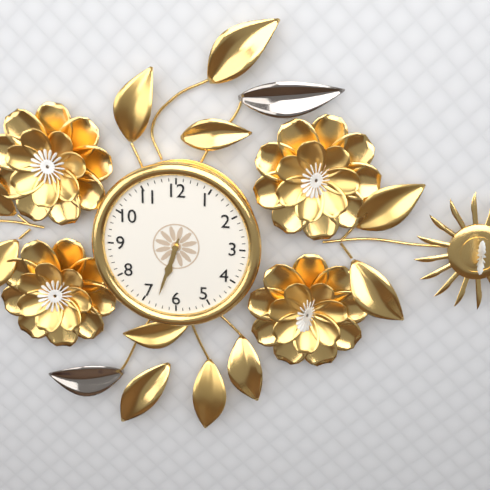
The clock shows 6:33
